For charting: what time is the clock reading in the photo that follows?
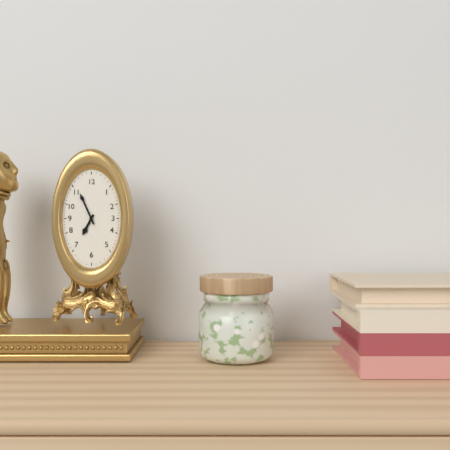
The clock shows 6:56
